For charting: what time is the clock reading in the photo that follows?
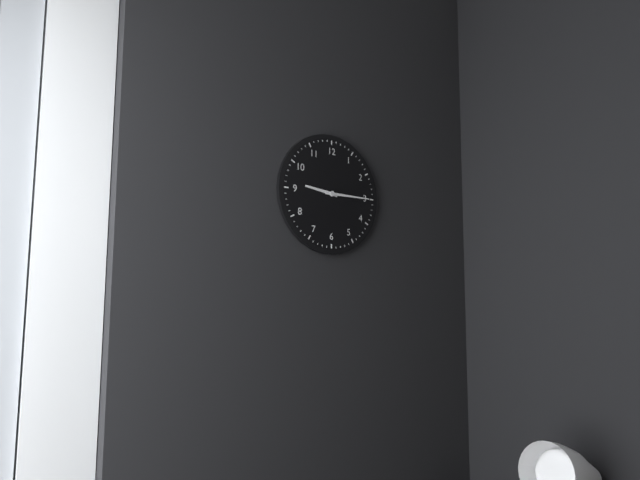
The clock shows 9:15
